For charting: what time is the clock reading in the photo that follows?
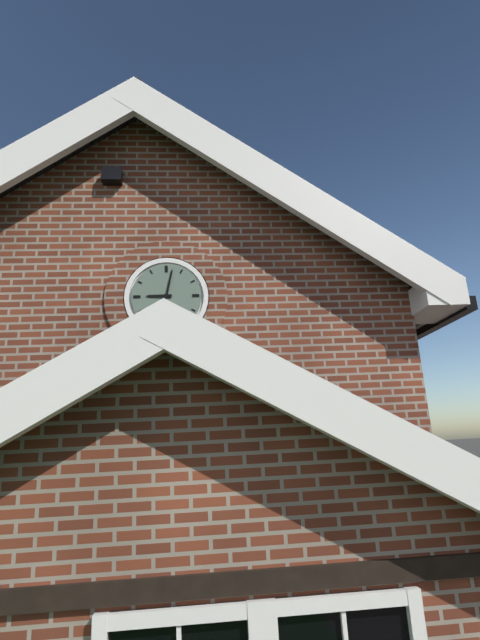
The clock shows 9:02
